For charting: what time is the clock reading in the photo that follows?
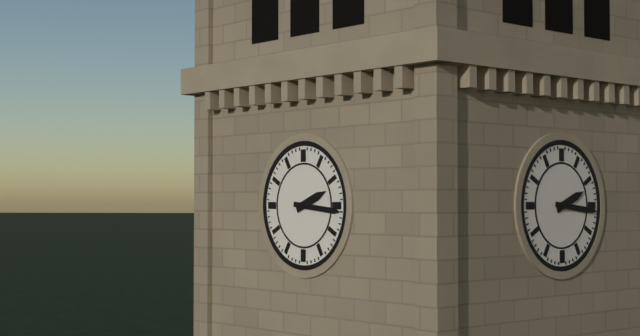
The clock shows 2:16
